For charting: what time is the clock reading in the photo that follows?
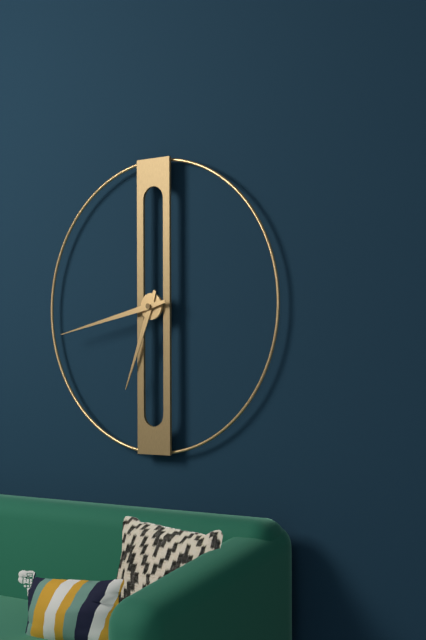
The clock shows 6:43
